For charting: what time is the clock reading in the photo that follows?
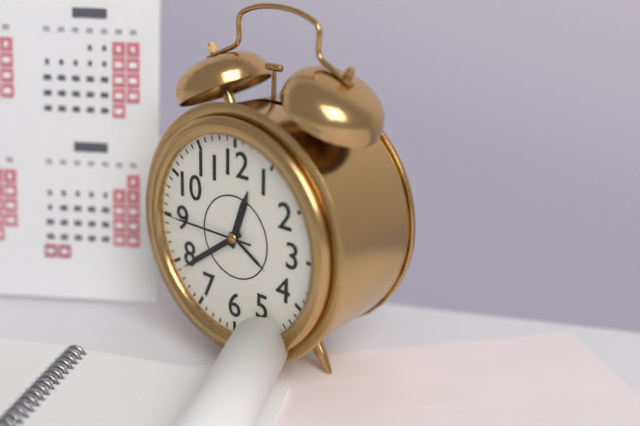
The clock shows 12:39:45
